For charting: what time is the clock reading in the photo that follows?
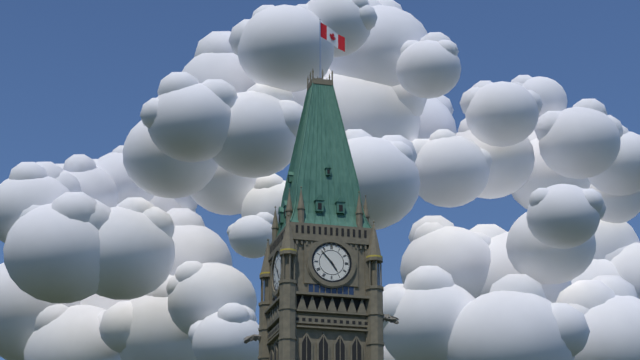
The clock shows 4:53
